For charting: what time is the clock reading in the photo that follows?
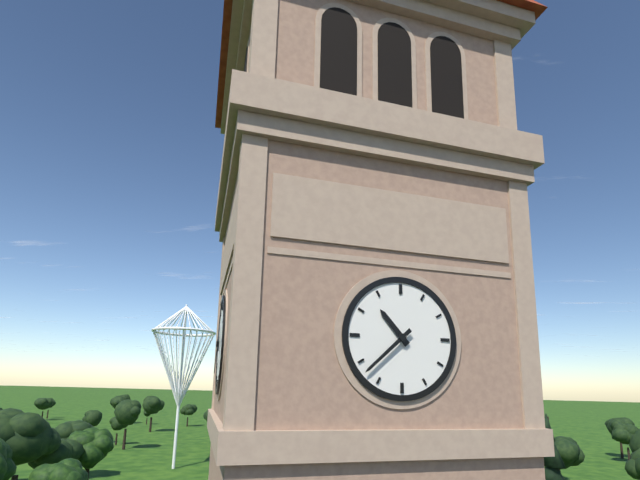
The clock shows 10:38
